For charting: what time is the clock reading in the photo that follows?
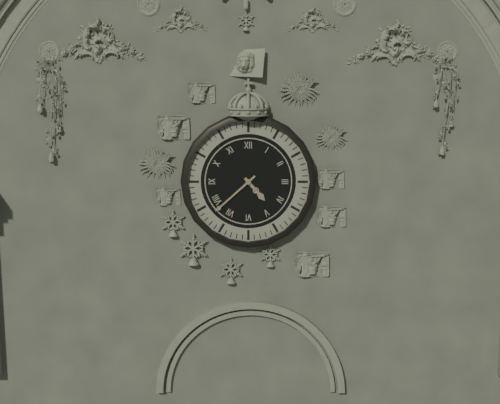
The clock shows 4:38
